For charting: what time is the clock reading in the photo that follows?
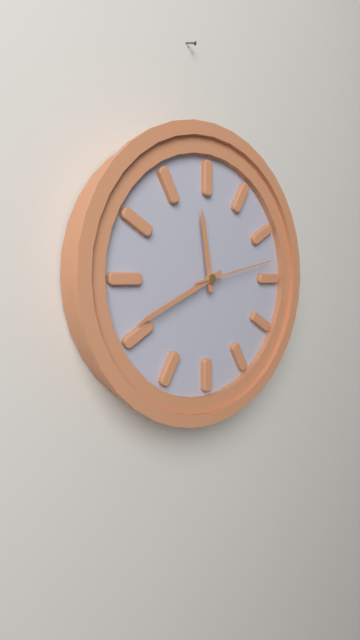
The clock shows 11:41:13
